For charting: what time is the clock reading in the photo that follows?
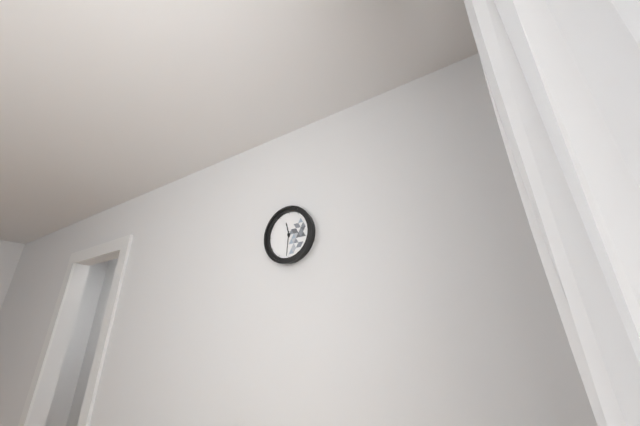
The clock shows 11:31
